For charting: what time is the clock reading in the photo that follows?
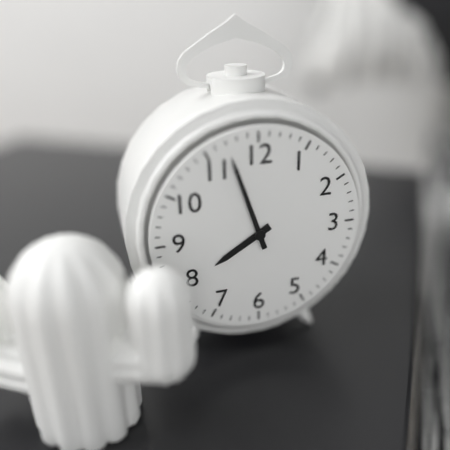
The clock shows 7:57
